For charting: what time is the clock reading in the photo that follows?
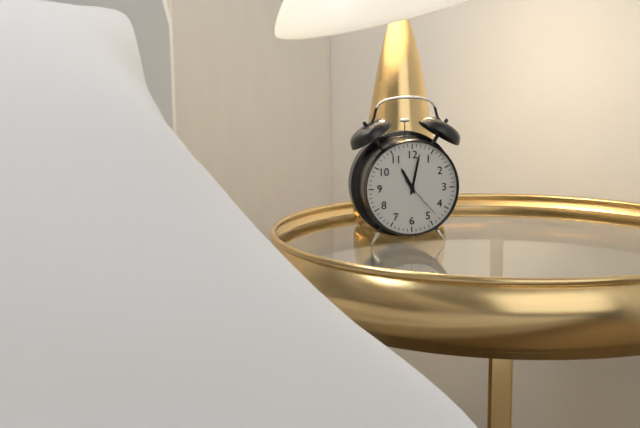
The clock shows 11:02:23
